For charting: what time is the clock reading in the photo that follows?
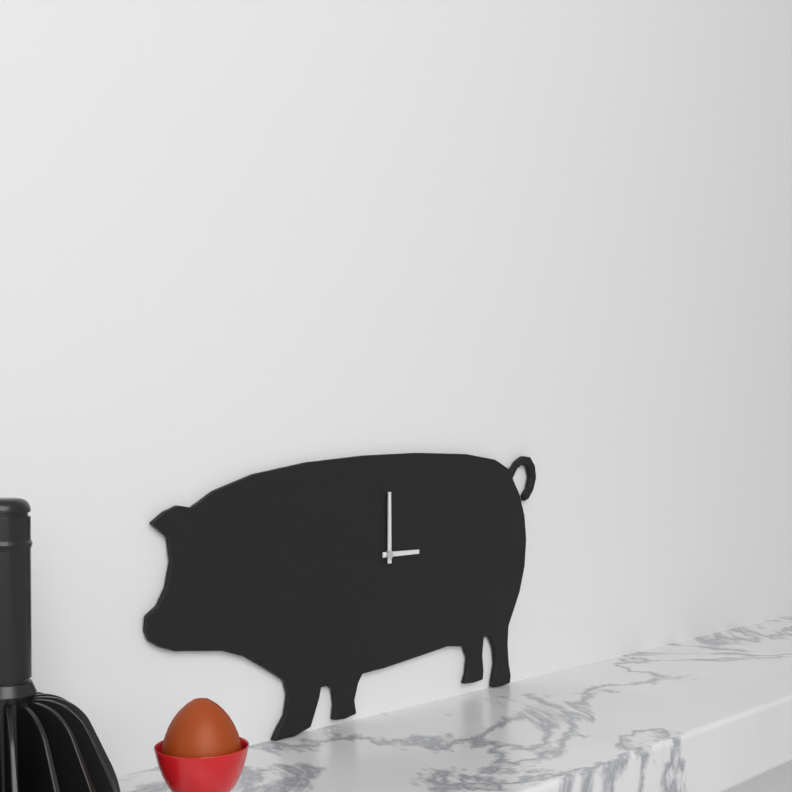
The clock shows 3:00
